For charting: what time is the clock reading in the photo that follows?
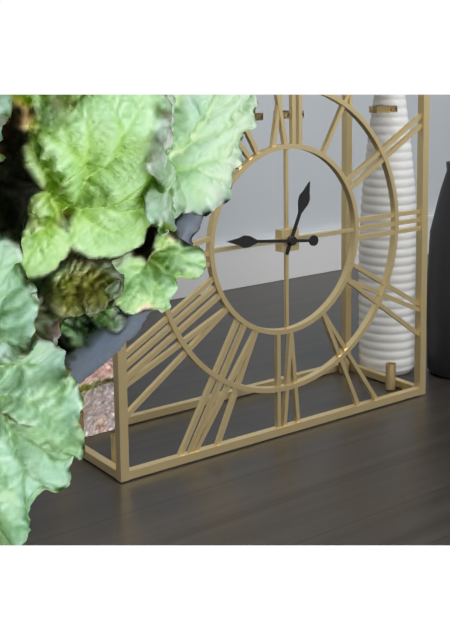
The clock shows 12:46
